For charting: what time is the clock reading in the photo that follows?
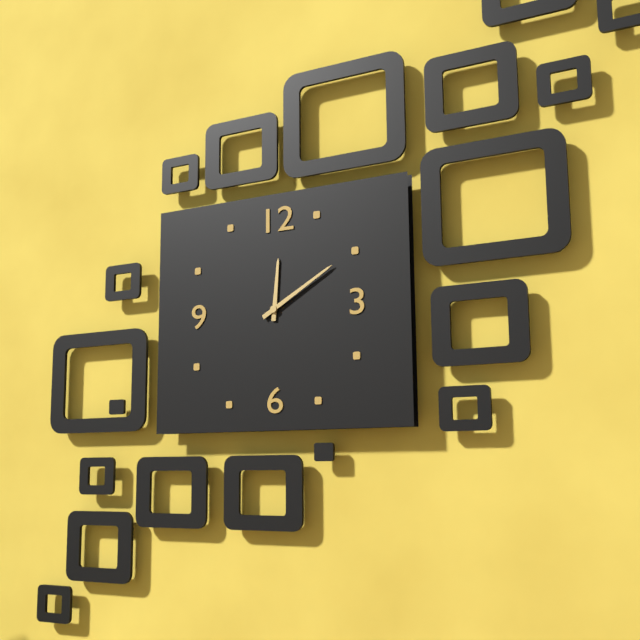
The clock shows 12:10
